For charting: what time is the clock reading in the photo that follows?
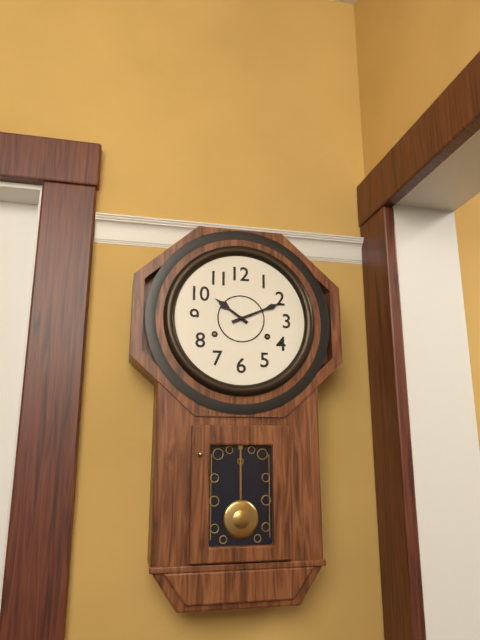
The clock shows 10:11
